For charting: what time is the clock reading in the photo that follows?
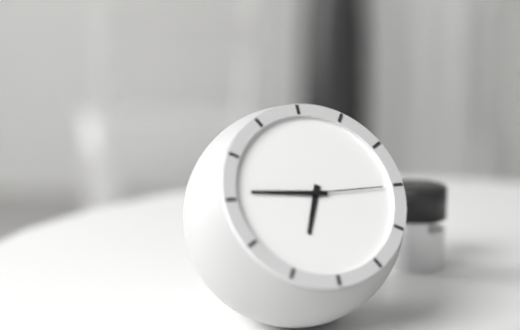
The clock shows 6:46:15
